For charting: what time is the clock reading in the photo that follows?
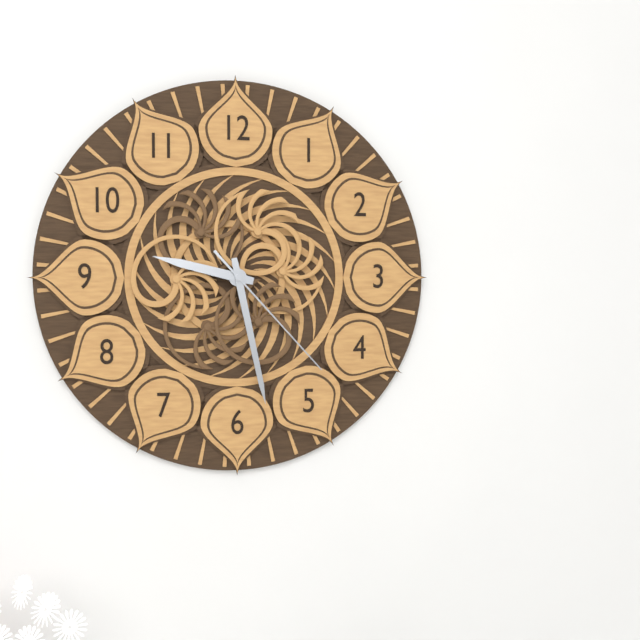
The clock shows 9:28:23
